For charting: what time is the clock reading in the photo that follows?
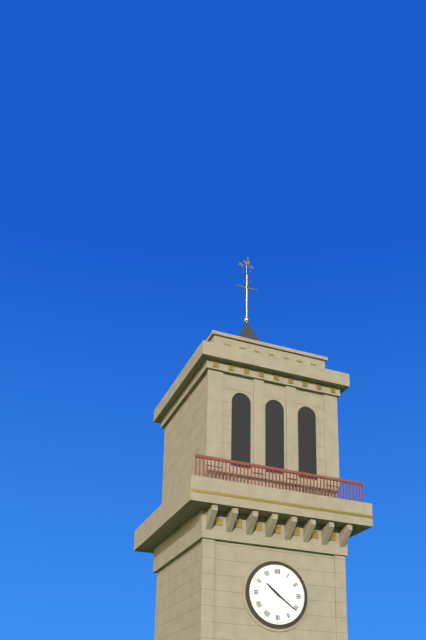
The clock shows 10:21
